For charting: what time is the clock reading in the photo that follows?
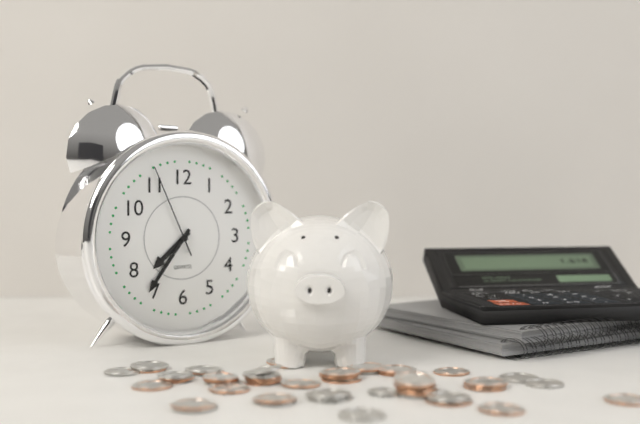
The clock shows 7:36:56
